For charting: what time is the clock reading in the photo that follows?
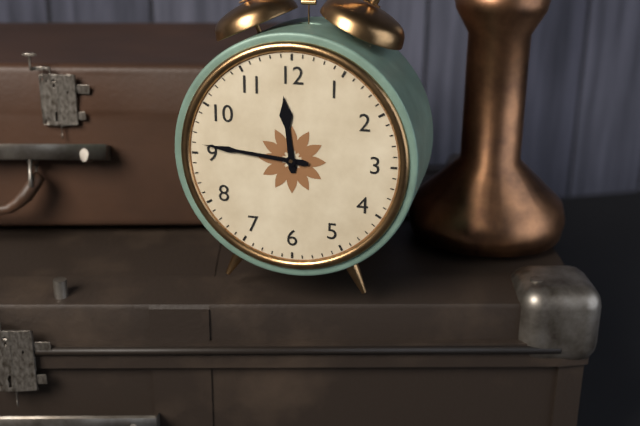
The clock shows 11:46
